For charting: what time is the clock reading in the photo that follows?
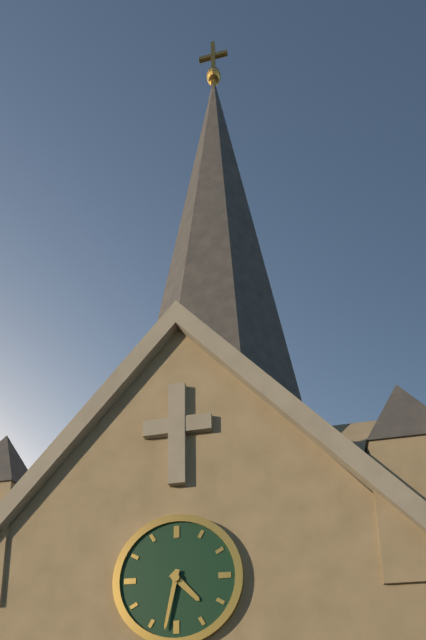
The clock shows 4:32
